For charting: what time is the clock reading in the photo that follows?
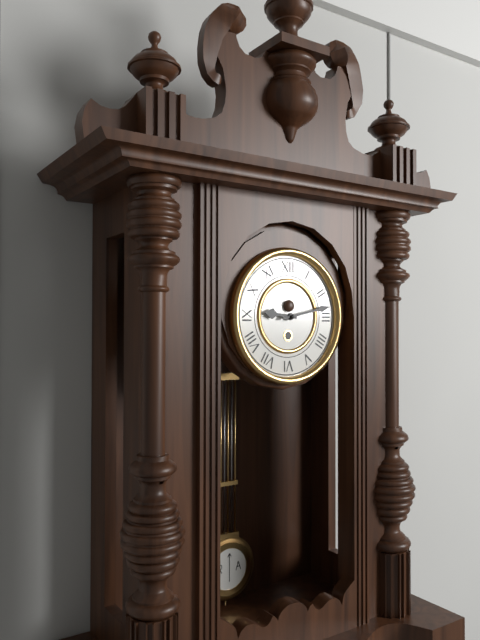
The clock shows 9:13
